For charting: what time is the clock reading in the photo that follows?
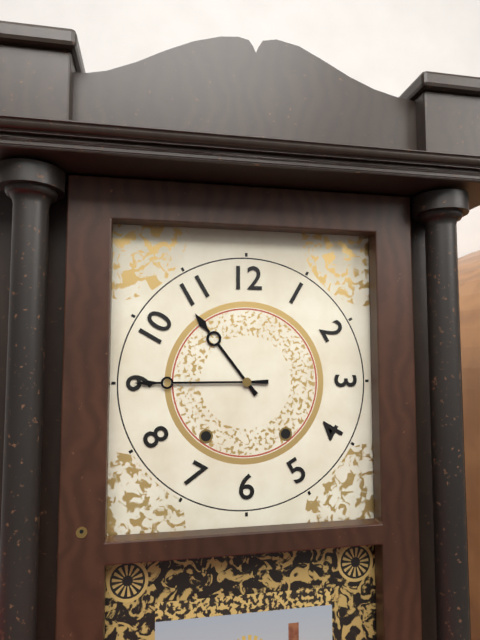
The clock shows 10:45
